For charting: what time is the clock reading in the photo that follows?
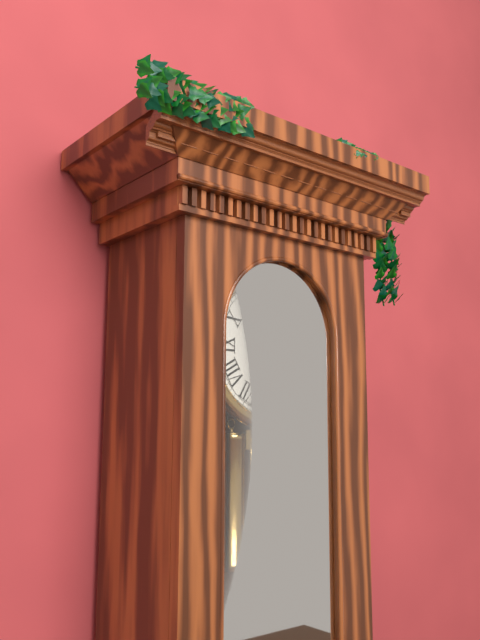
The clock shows 5:27
